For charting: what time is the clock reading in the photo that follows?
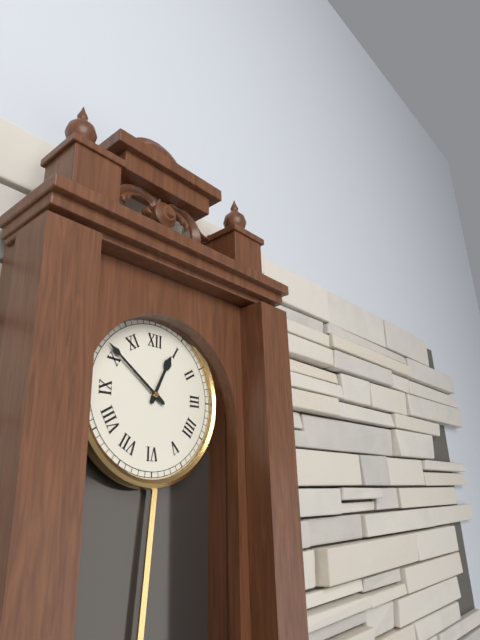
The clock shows 12:51
